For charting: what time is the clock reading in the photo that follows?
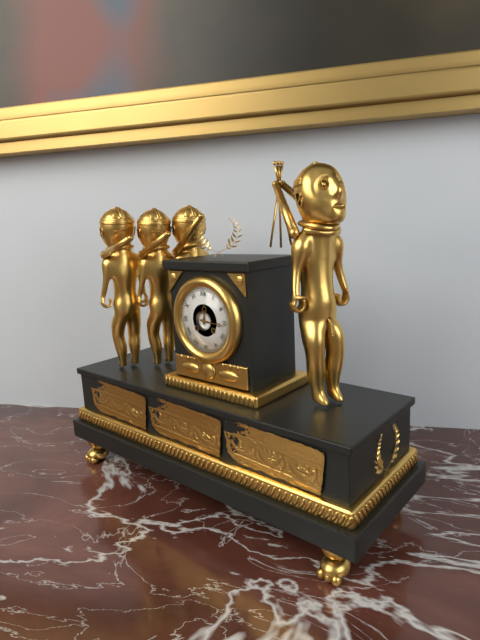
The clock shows 12:16
